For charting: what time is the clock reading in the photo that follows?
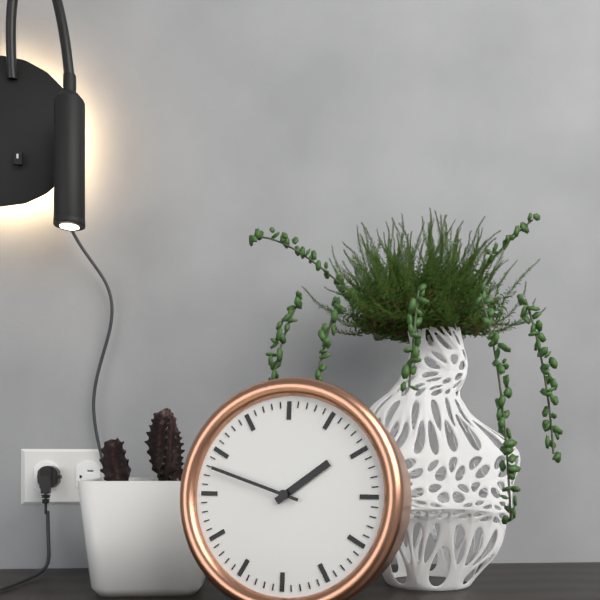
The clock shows 1:48
